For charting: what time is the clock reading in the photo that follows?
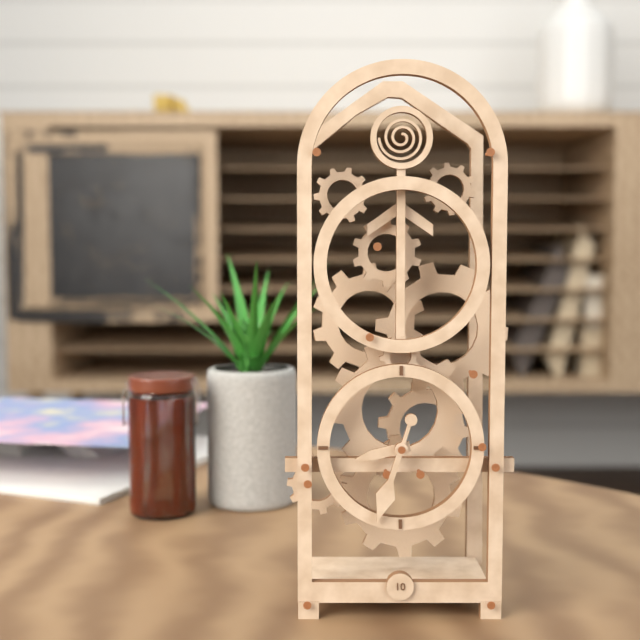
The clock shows 8:33
